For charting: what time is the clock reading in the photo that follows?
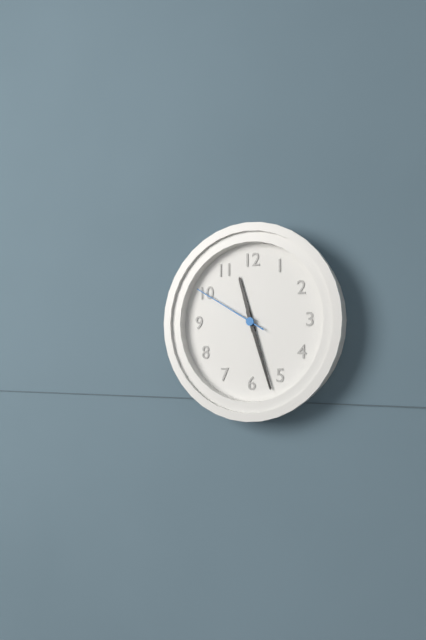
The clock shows 11:27:50
